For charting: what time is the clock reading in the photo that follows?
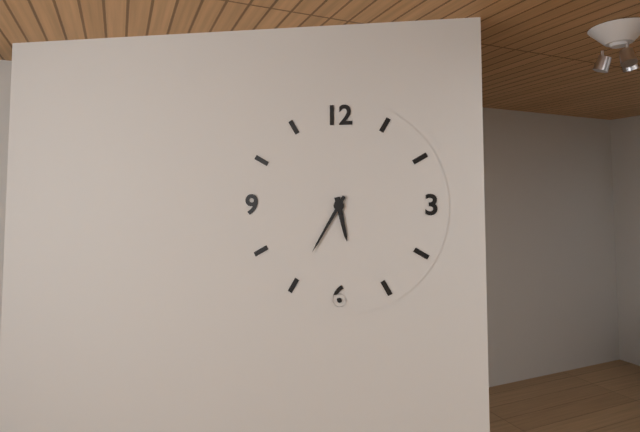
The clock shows 5:35
